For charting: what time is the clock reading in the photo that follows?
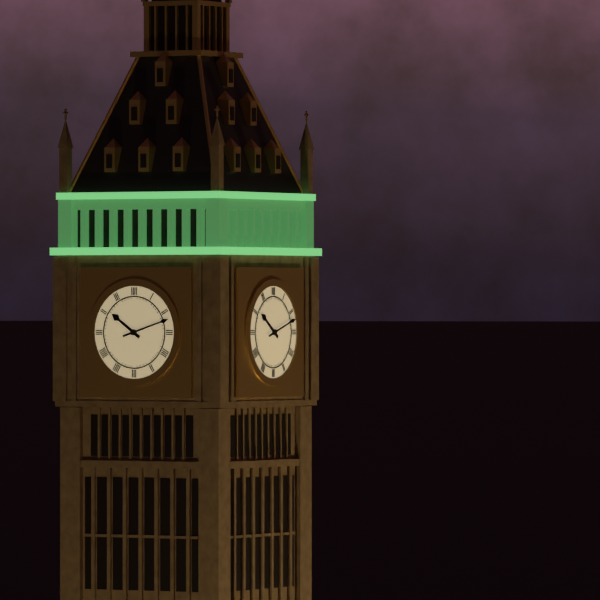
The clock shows 10:12
